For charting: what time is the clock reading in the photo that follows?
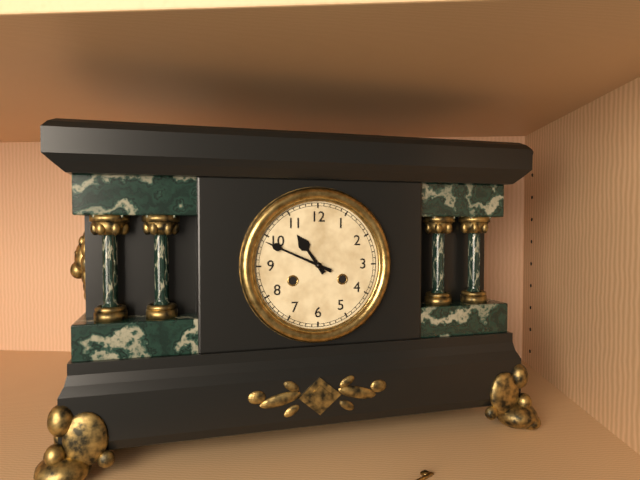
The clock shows 10:49
